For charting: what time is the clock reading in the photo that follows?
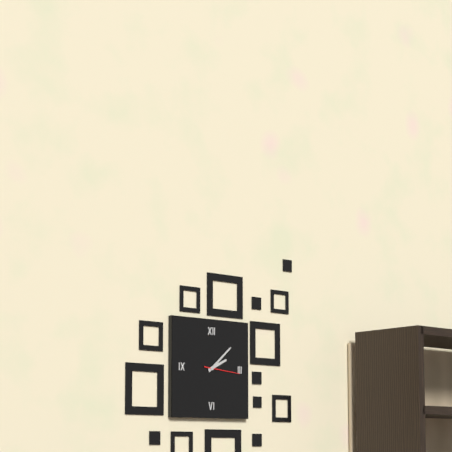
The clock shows 2:08
